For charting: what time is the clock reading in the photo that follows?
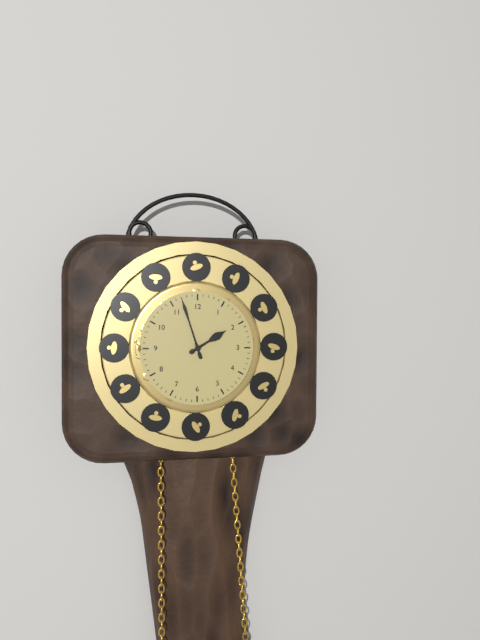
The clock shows 1:57
